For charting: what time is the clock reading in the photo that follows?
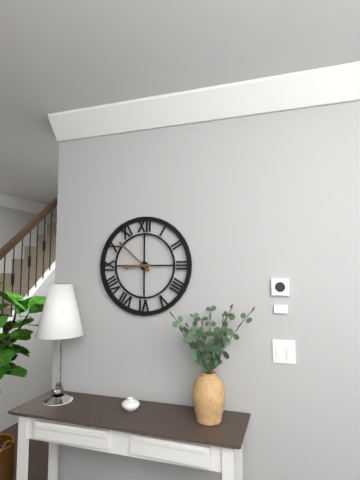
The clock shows 8:52
